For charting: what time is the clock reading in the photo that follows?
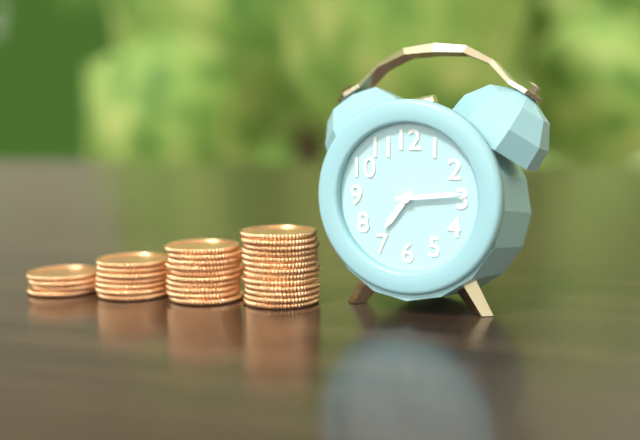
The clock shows 7:14
